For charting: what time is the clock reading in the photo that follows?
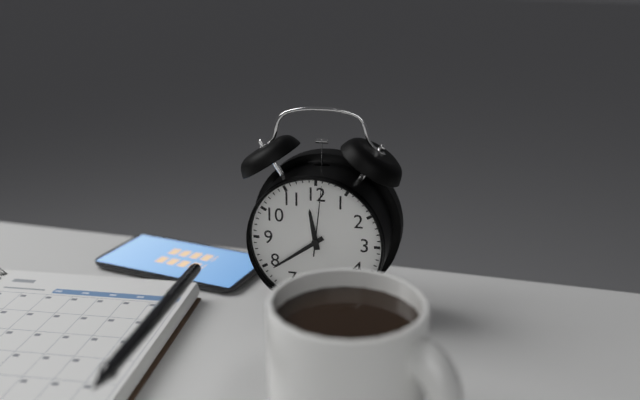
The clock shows 11:39:01
